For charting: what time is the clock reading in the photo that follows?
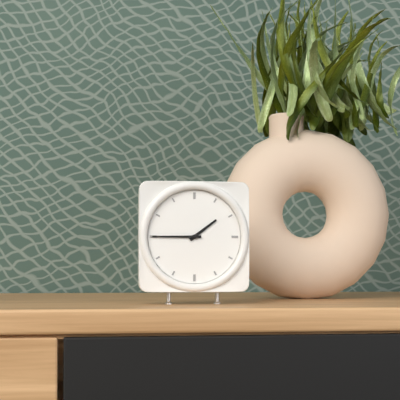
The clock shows 1:45
